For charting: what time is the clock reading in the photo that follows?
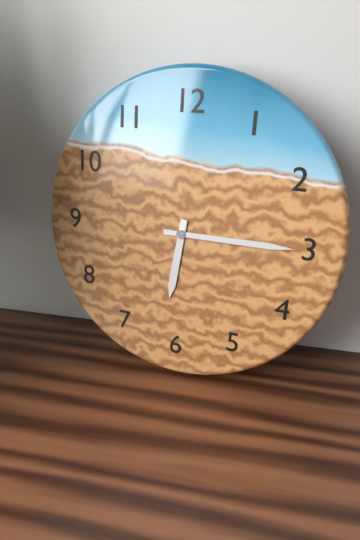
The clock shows 6:15
